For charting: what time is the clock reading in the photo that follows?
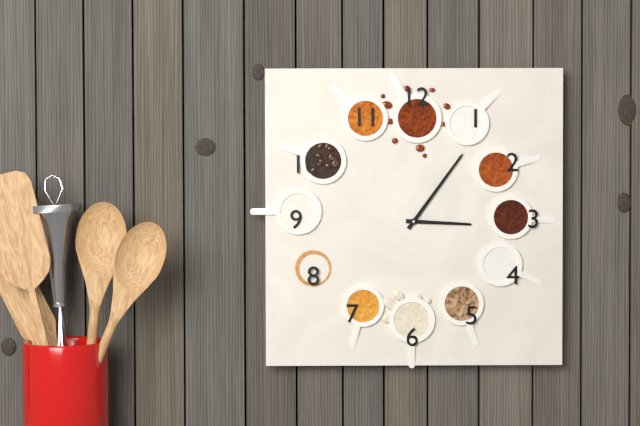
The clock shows 3:06
